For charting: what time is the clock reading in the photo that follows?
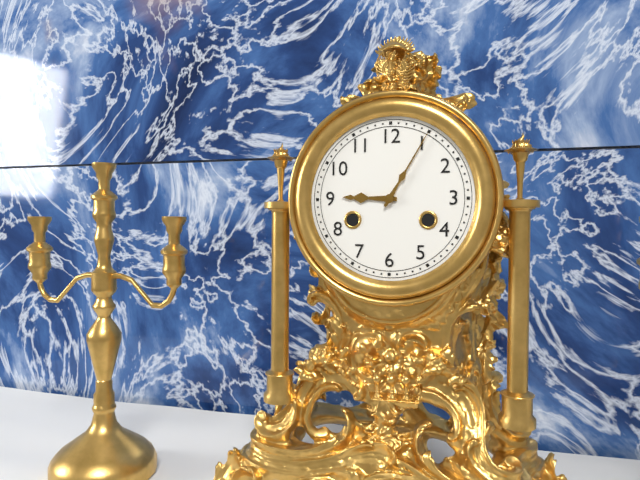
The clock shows 9:05
